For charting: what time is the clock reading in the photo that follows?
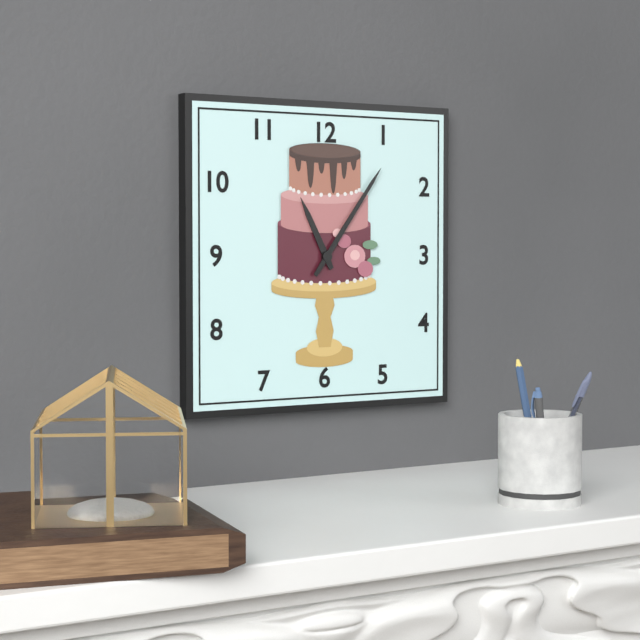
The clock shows 11:06
